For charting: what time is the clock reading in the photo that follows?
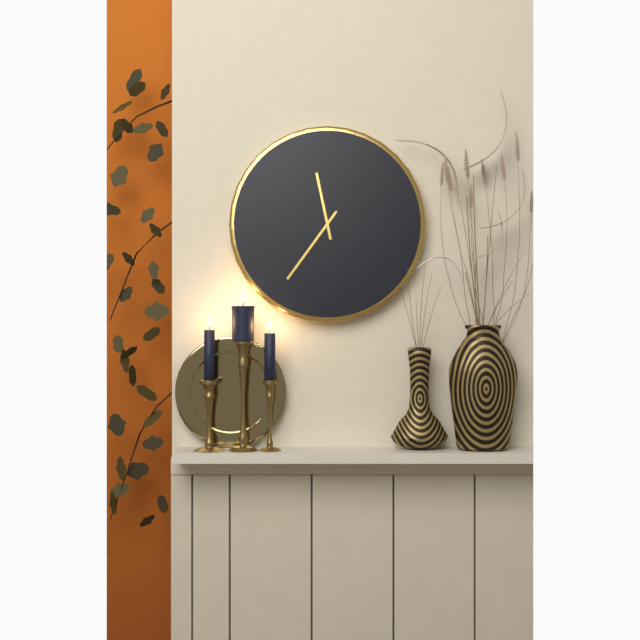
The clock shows 11:36
